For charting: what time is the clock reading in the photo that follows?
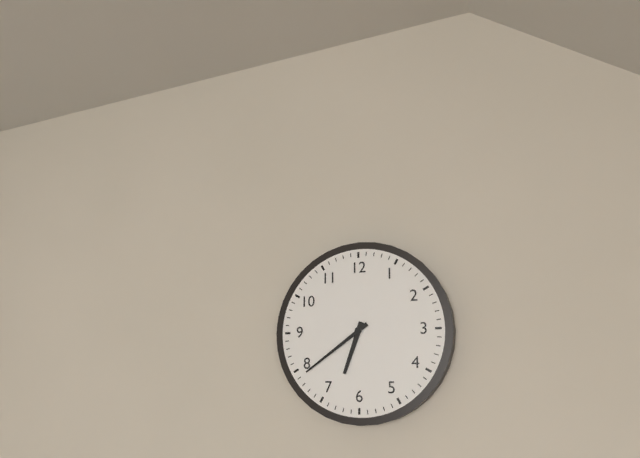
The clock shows 6:39
